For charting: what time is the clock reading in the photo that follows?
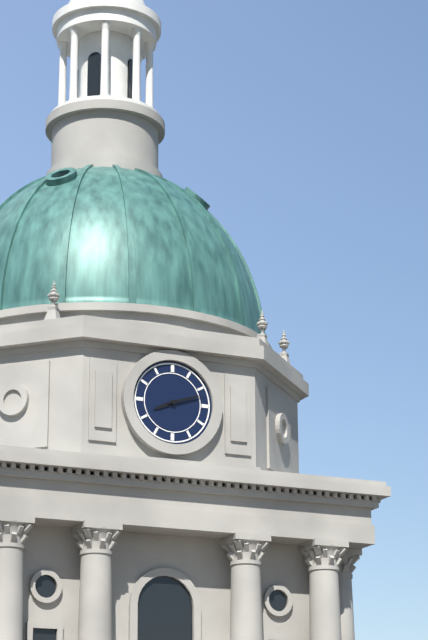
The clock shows 8:12
